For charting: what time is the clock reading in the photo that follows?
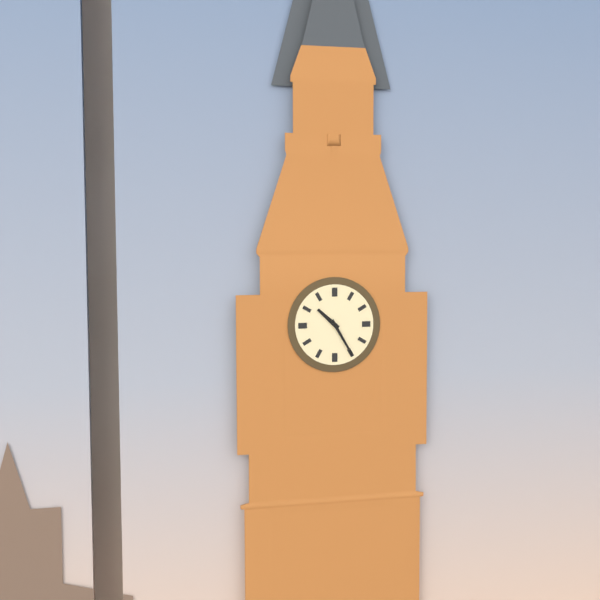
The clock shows 10:25
